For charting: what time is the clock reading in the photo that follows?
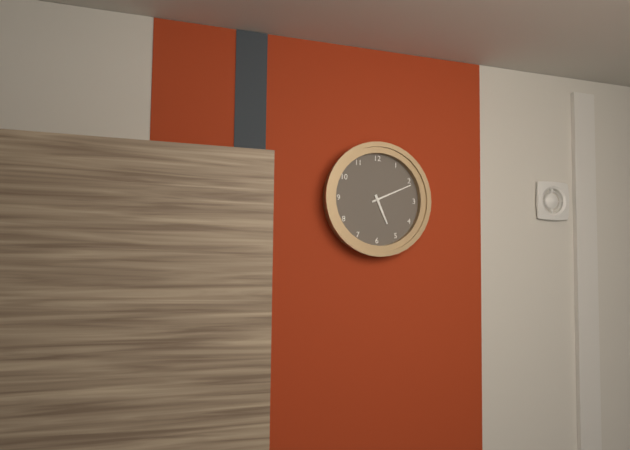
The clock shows 5:11
